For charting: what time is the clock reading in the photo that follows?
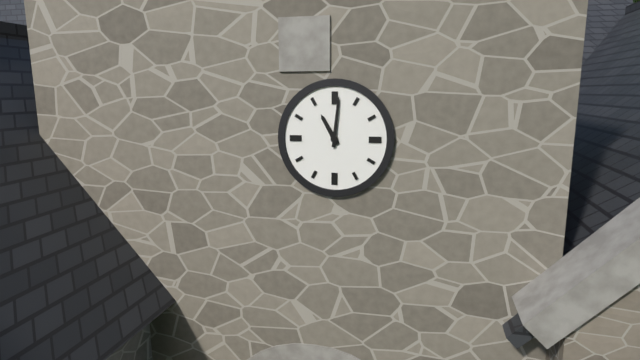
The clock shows 11:01
